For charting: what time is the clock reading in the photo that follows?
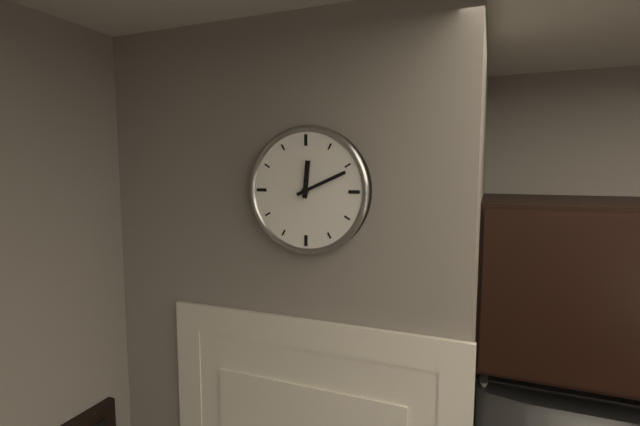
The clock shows 12:11
